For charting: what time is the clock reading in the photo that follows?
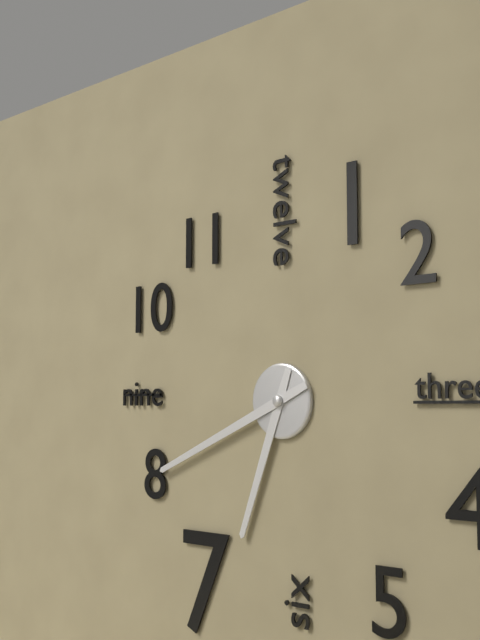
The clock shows 6:41
